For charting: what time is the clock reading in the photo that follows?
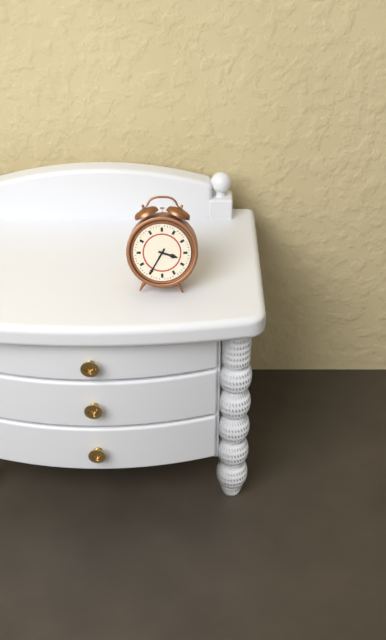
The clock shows 3:35
